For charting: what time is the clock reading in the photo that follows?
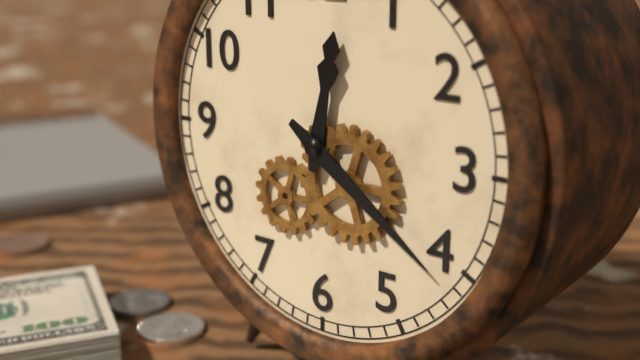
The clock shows 12:21
